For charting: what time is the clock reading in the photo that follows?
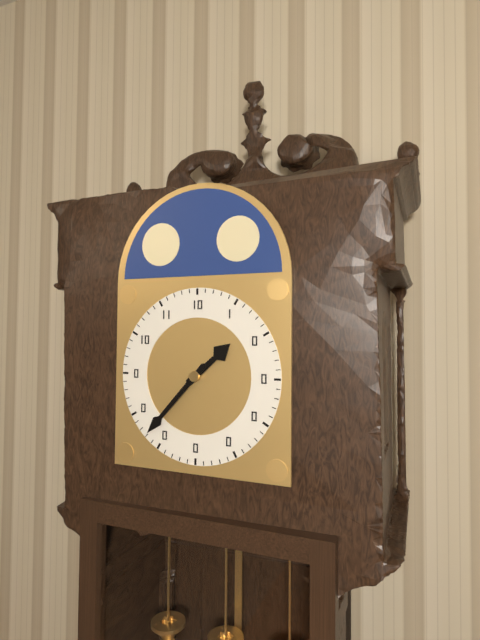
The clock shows 1:37
